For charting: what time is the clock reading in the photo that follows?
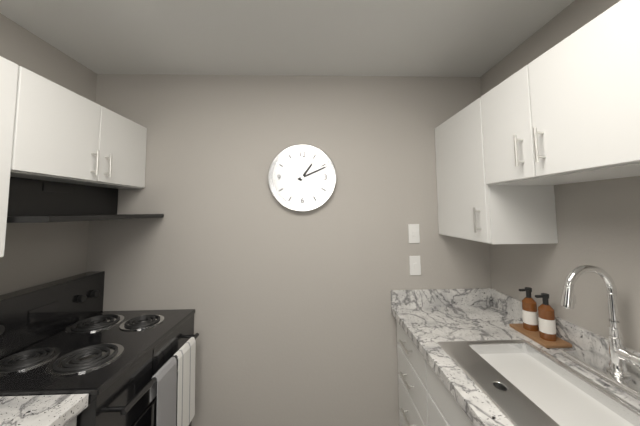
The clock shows 1:11
